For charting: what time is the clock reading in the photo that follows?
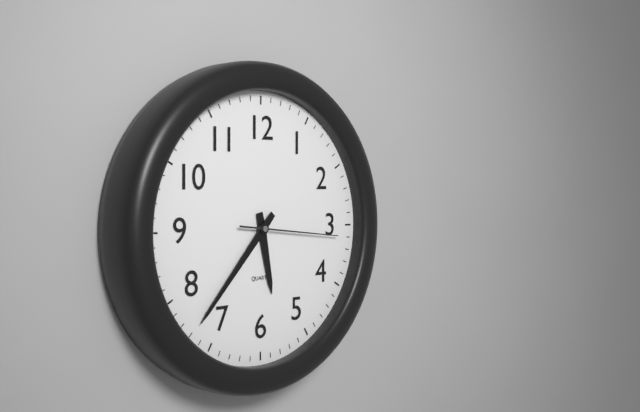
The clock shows 5:37:16
